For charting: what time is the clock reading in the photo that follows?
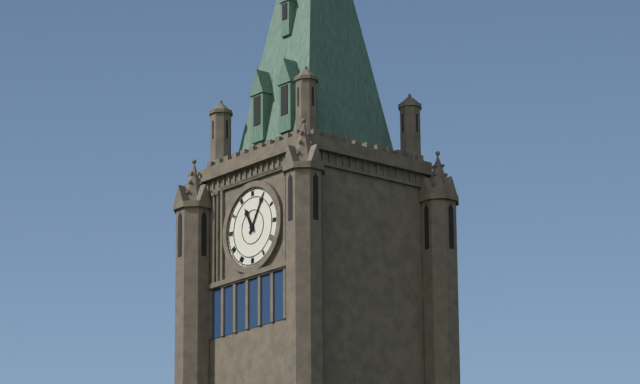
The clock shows 11:05
